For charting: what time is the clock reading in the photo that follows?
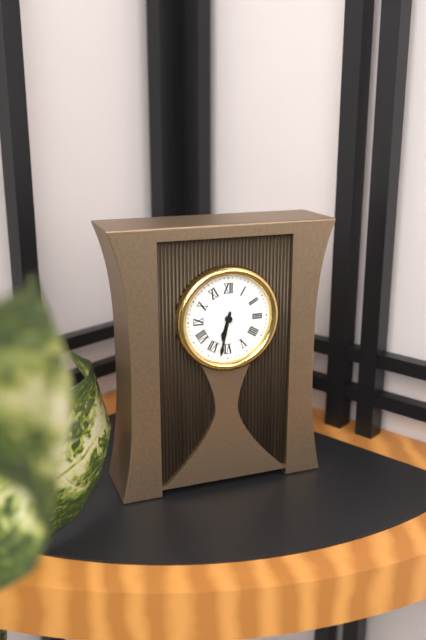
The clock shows 6:32
